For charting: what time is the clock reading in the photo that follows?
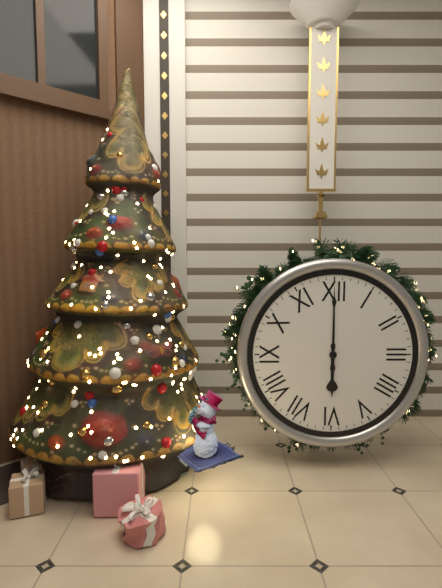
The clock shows 6:00
